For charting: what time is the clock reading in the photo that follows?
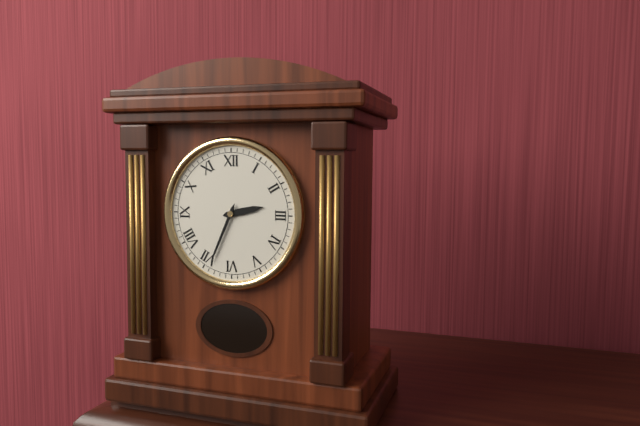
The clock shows 2:34
